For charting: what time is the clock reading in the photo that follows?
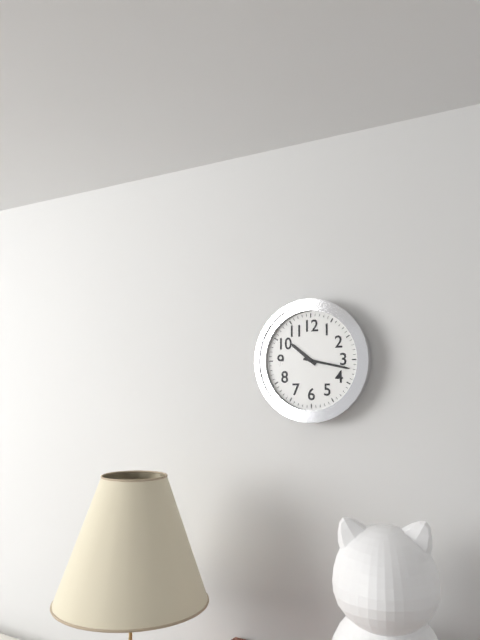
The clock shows 10:17
